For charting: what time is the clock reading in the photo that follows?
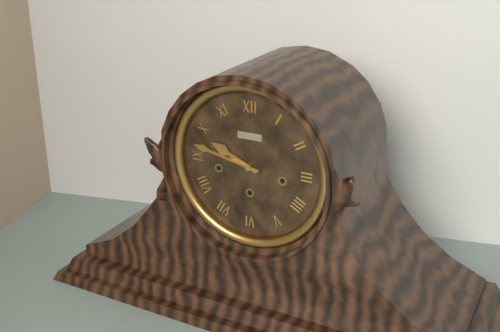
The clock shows 9:47
